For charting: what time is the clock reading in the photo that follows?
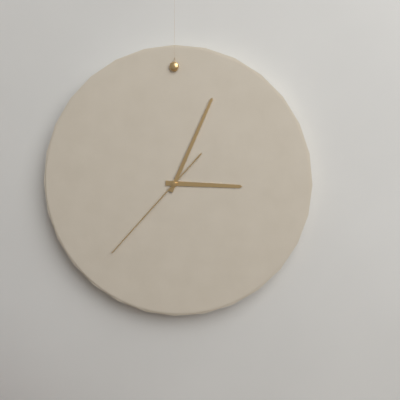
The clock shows 3:04:37
